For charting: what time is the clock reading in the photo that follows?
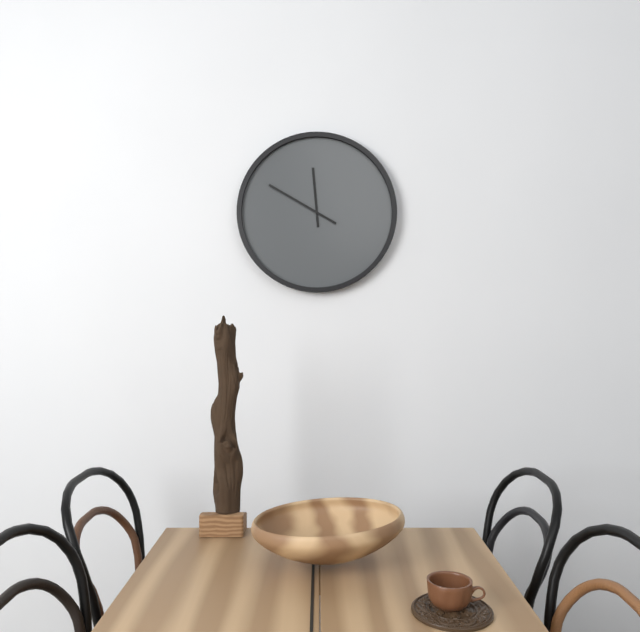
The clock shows 11:50
